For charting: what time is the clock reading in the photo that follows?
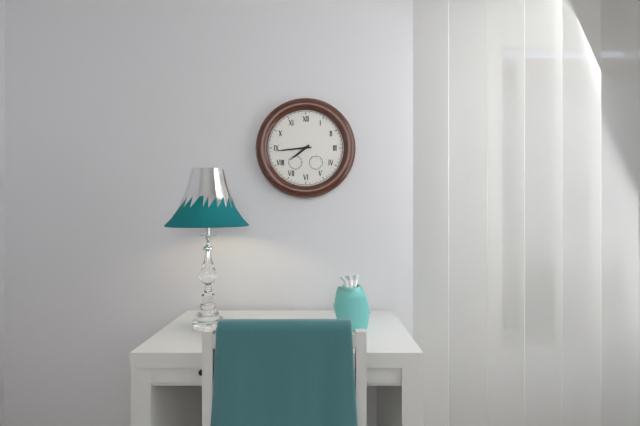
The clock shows 7:44
